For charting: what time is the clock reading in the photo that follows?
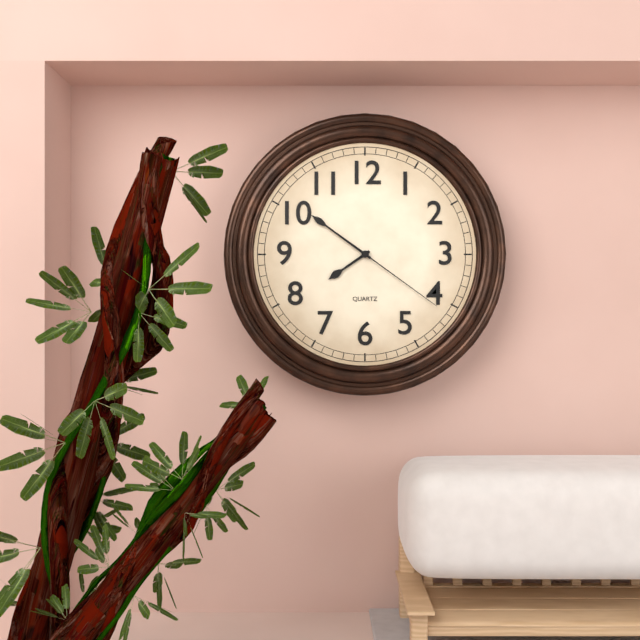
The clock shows 7:51:21
